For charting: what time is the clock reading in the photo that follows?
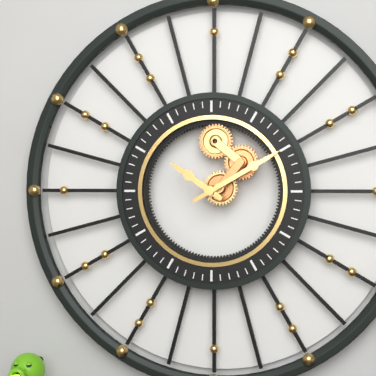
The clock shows 10:10
